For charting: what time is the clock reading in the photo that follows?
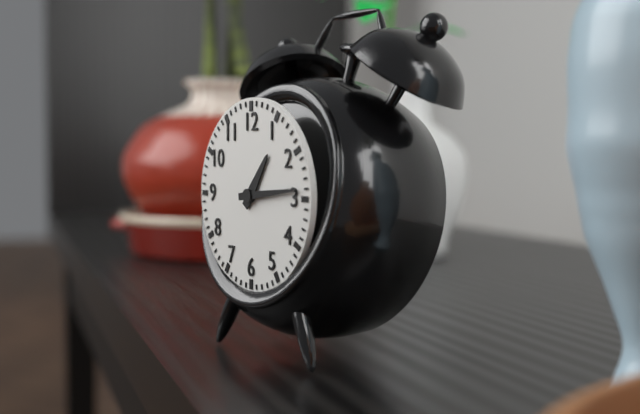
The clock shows 1:14
